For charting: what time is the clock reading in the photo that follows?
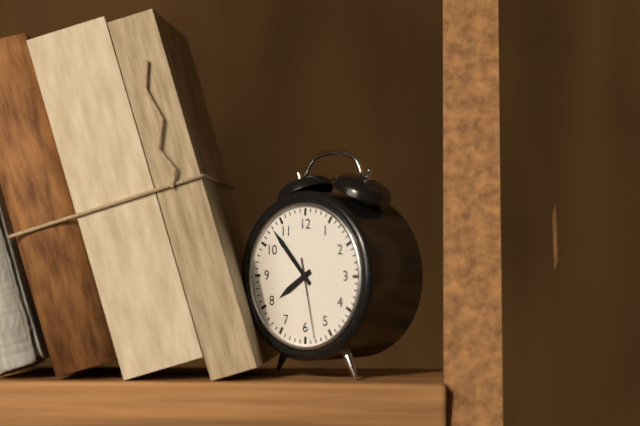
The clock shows 7:53:28
